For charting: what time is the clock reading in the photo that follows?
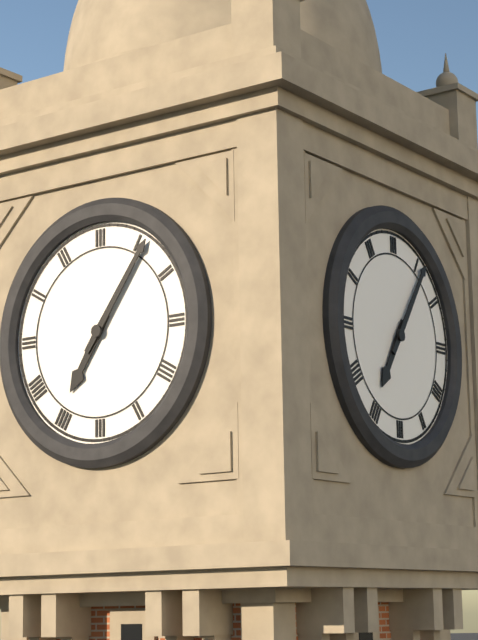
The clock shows 7:06
